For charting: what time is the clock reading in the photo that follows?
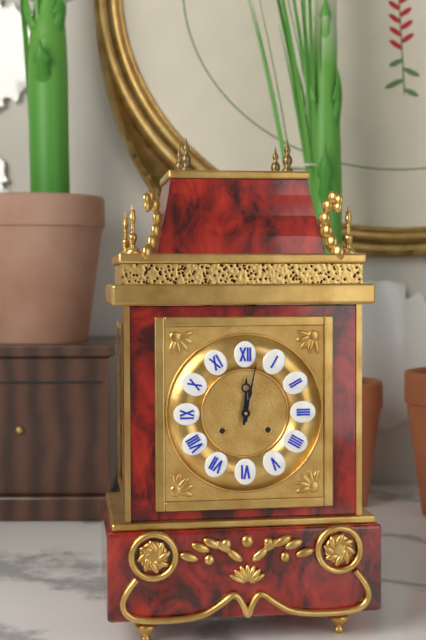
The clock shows 12:02
